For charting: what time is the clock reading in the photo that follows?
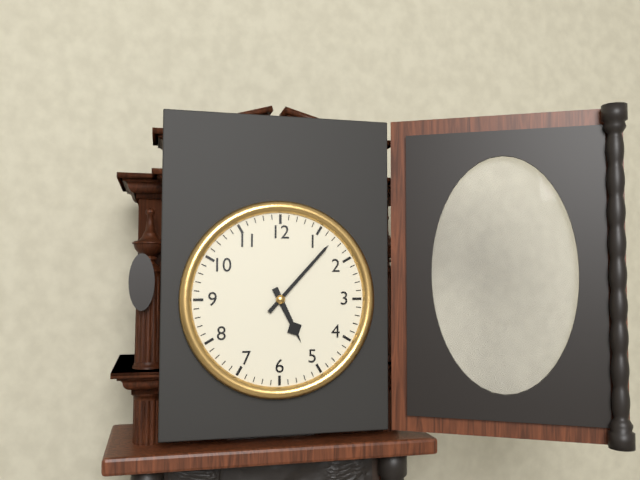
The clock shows 5:07
